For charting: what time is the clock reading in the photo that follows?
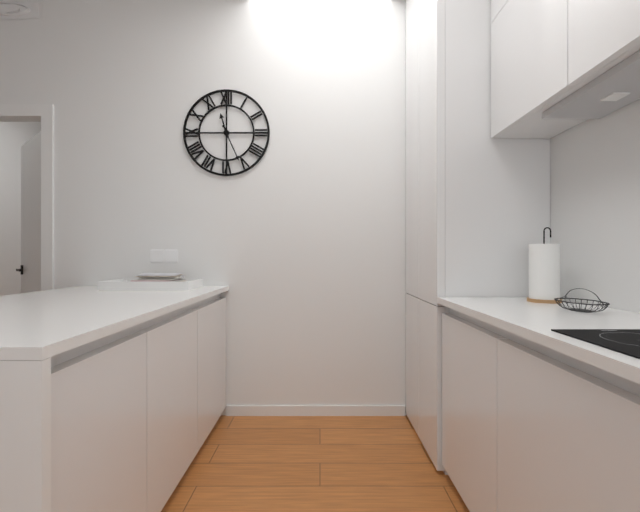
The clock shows 11:26
